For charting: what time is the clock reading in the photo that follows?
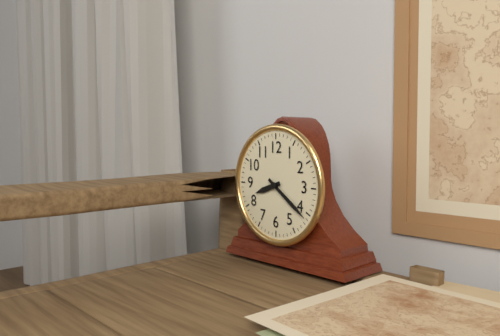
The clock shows 8:21
